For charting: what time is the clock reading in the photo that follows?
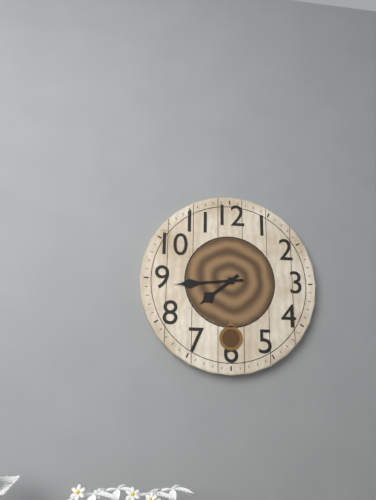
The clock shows 7:44
